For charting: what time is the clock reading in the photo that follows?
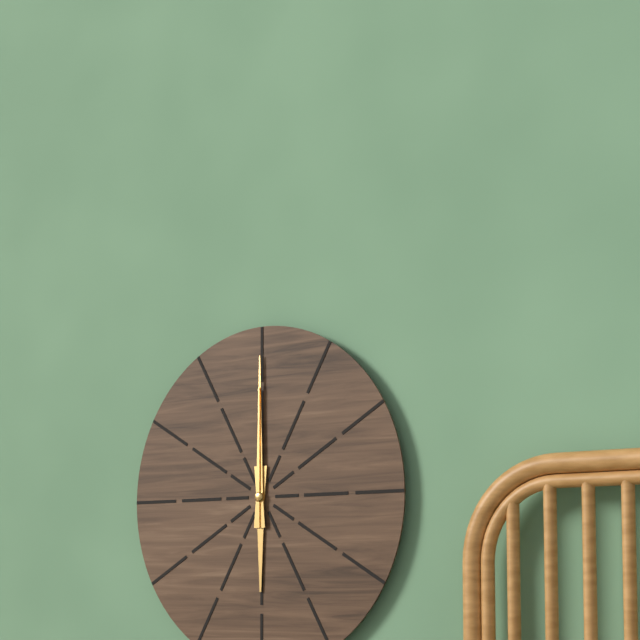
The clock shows 6:00:00
